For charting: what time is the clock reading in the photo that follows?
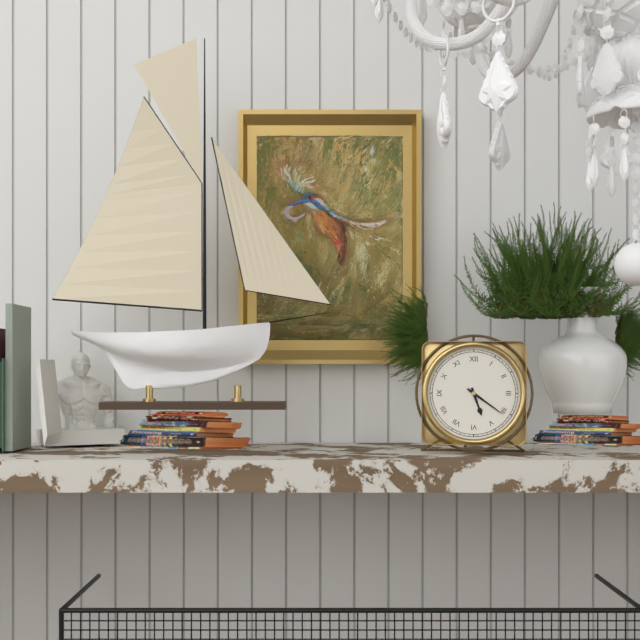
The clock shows 5:21
